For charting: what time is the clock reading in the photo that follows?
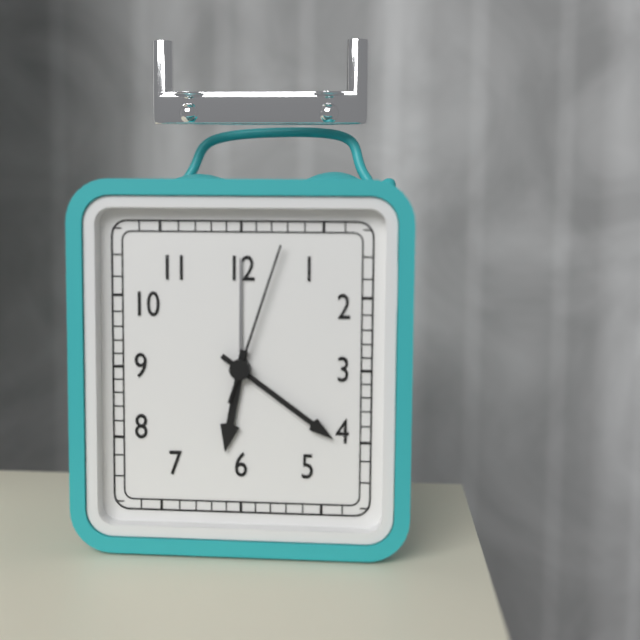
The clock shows 6:21:03
